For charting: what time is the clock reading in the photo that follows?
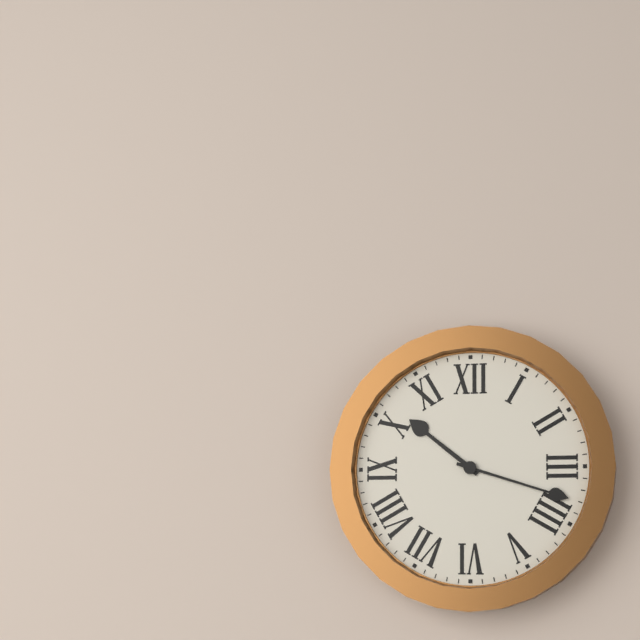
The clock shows 10:18
